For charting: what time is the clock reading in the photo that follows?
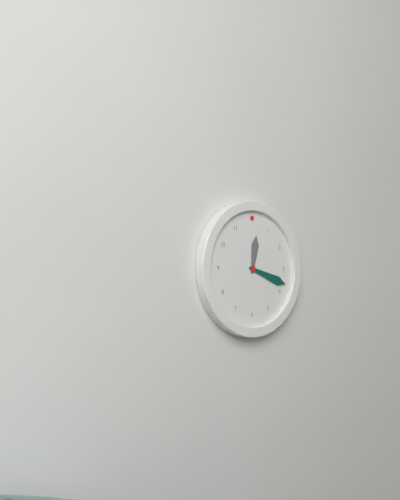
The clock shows 12:18
